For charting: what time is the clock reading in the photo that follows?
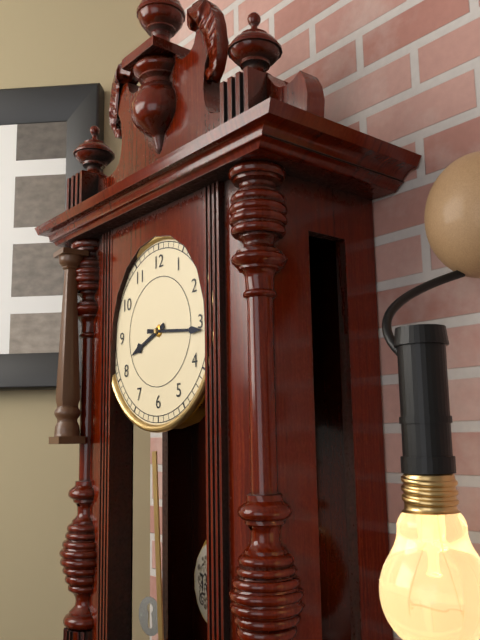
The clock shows 8:16
